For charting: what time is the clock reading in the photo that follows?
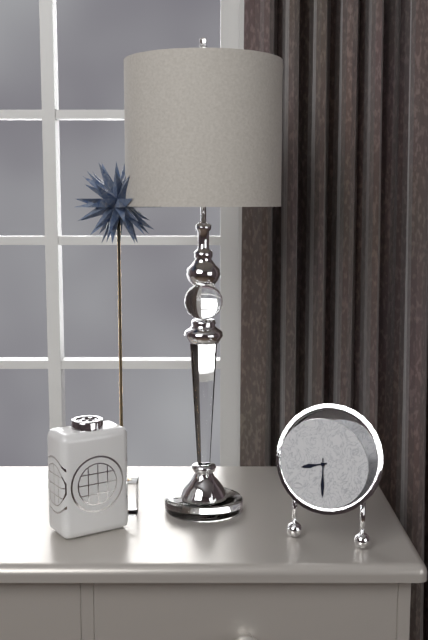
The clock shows 8:30
